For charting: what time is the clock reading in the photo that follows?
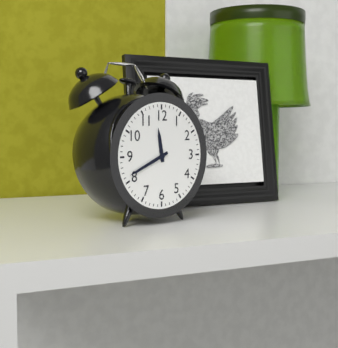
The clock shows 11:41
